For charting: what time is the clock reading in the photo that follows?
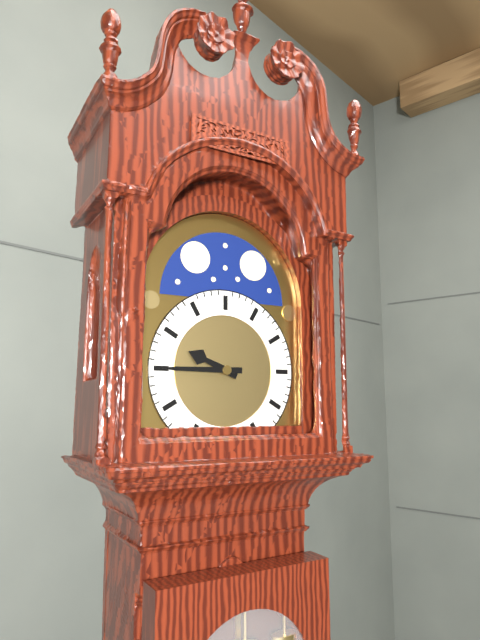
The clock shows 9:45
